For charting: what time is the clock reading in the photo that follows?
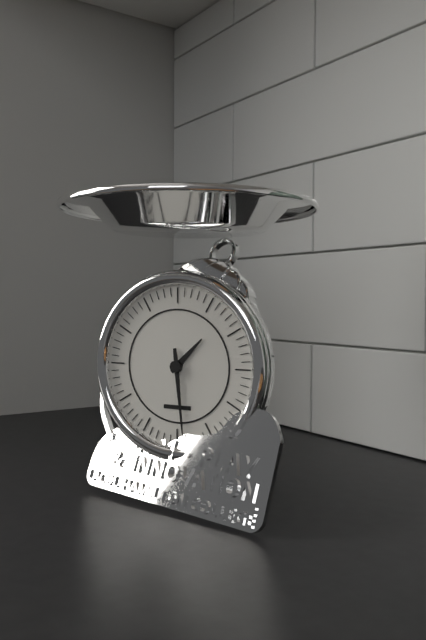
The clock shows 1:29
